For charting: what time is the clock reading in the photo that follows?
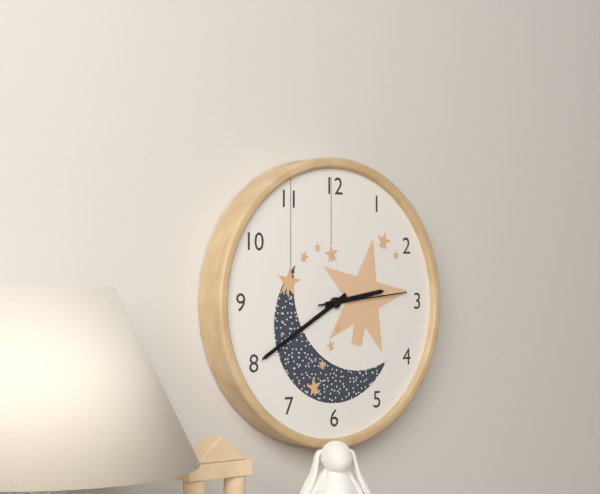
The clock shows 2:40:14
